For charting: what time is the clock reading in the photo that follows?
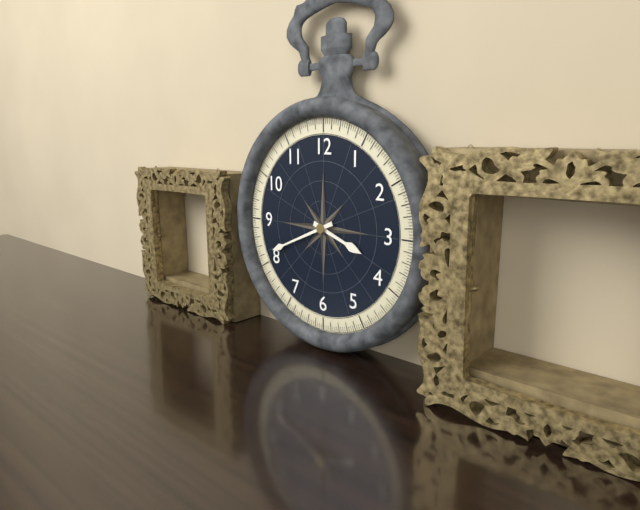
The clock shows 3:41
